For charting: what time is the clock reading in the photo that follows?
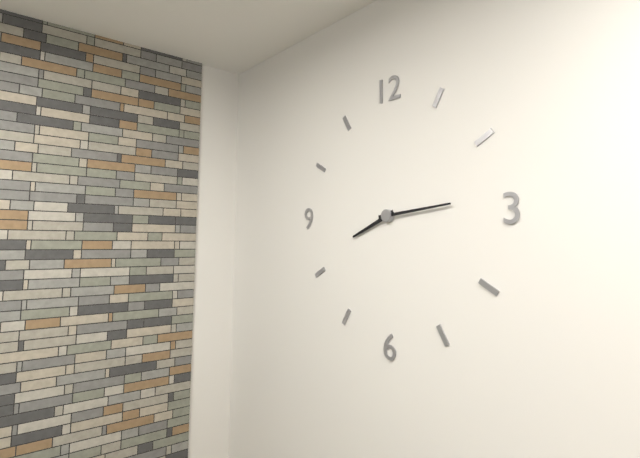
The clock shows 8:14
